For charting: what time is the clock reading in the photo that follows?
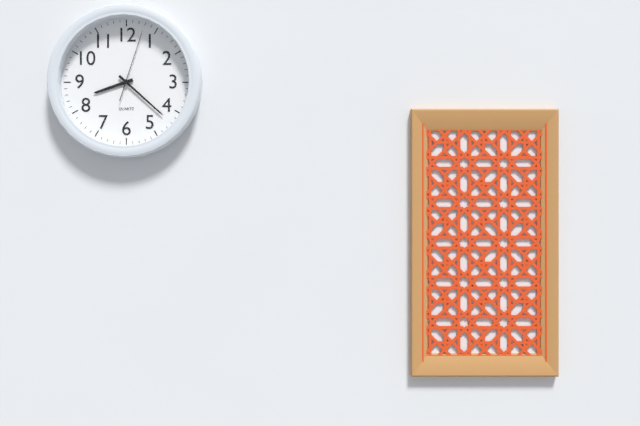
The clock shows 8:22:03
